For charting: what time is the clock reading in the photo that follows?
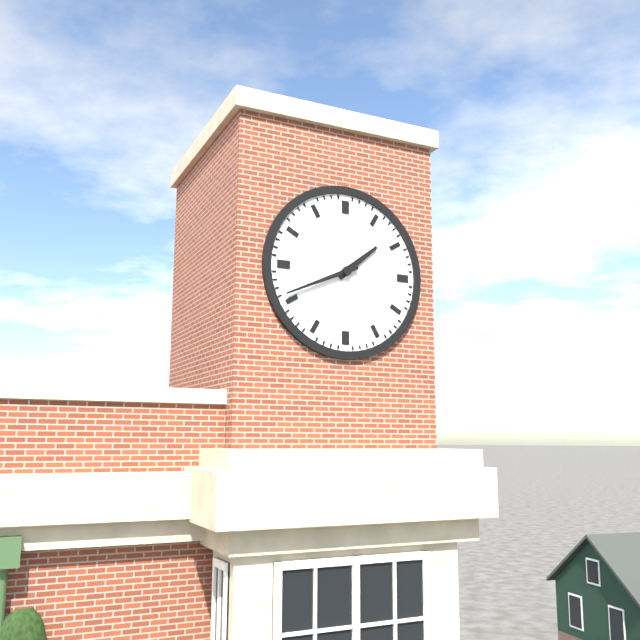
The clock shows 1:41
